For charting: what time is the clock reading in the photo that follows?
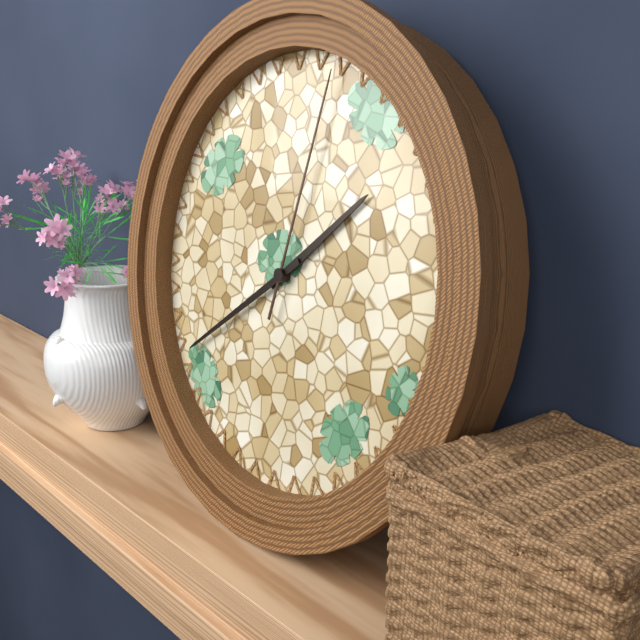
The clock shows 1:39:02
